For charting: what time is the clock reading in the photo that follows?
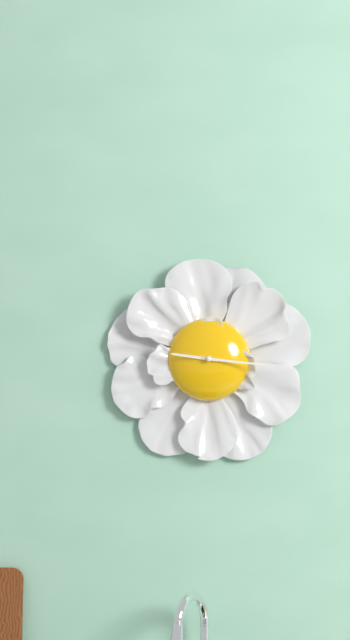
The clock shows 9:16
